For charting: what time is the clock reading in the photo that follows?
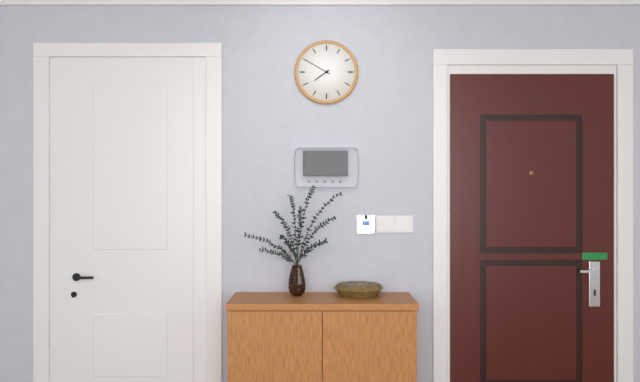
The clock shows 7:50
